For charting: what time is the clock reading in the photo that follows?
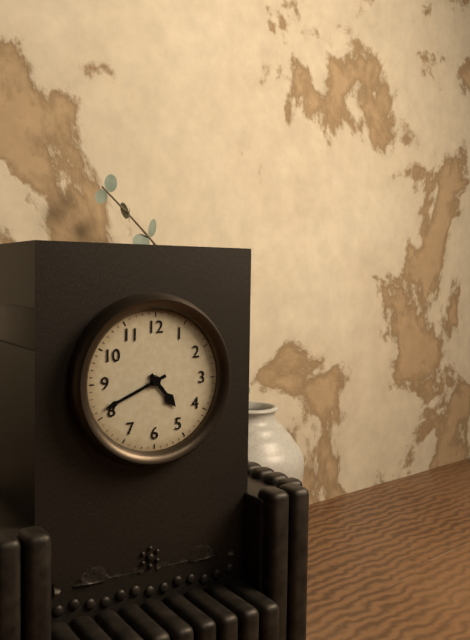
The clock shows 4:41
